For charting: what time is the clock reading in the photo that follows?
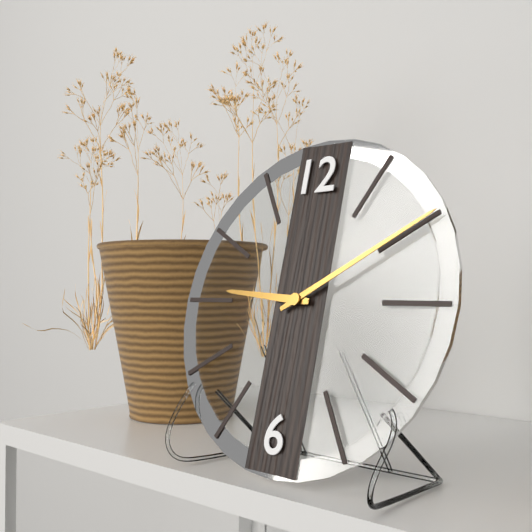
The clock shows 9:10
